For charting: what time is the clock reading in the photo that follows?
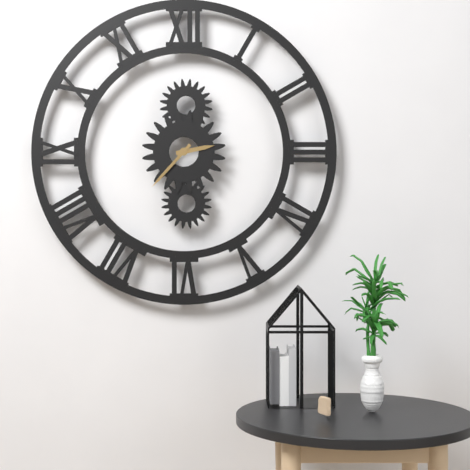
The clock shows 2:37
